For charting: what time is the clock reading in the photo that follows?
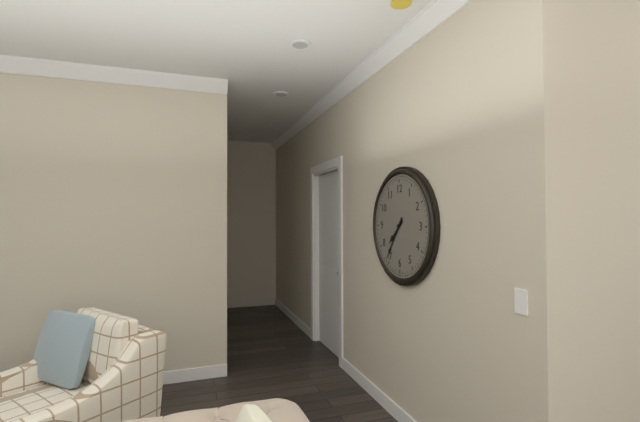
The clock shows 7:36
